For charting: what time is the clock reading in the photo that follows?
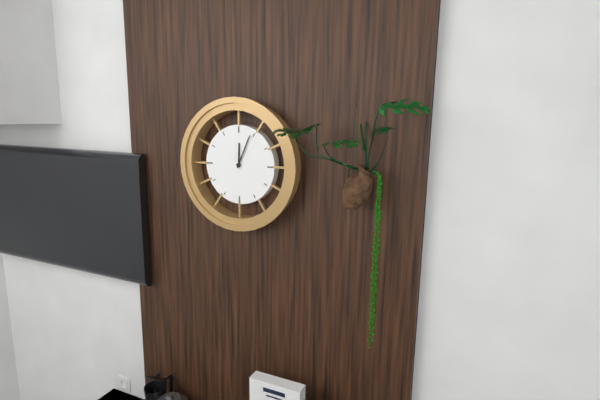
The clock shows 12:04
